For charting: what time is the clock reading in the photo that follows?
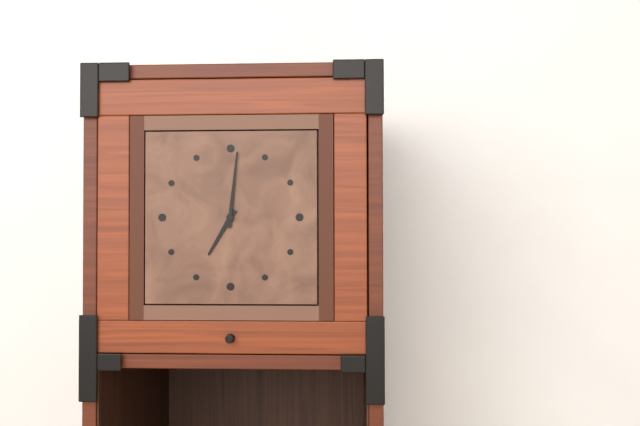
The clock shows 7:01
